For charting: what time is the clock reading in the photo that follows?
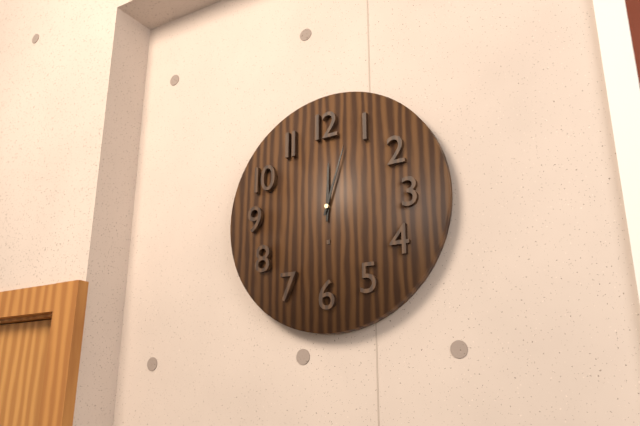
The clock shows 12:03
